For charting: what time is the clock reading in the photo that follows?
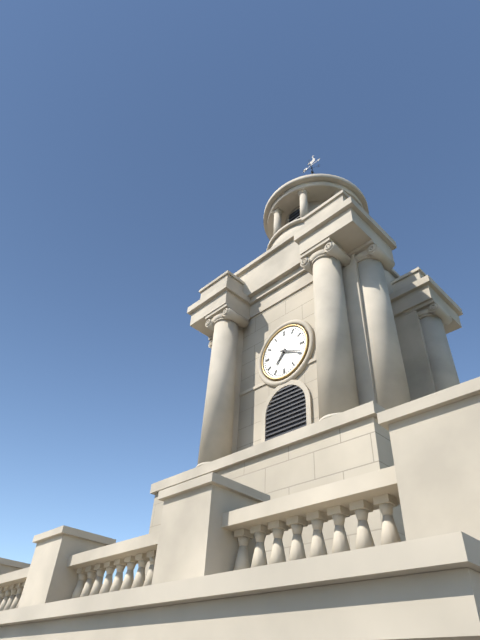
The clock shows 7:19
